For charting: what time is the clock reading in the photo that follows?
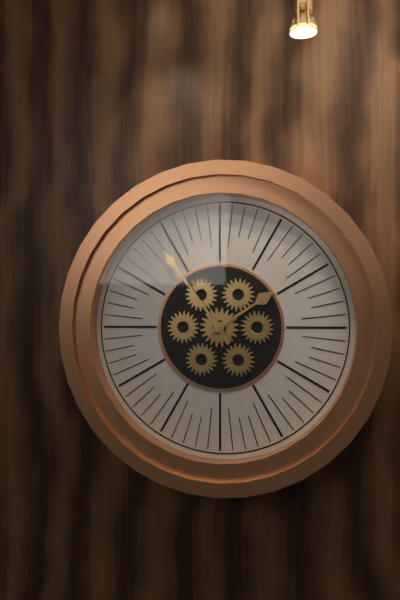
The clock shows 1:54
